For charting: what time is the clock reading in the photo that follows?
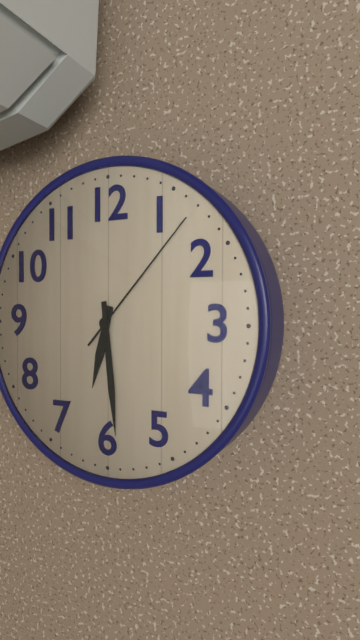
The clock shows 6:29:07
